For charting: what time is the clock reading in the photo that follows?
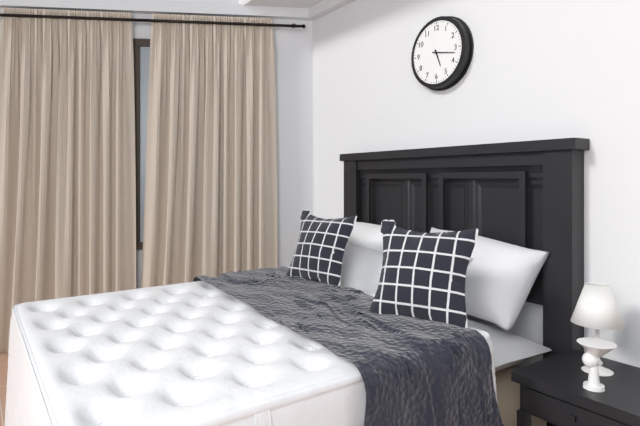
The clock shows 5:17
